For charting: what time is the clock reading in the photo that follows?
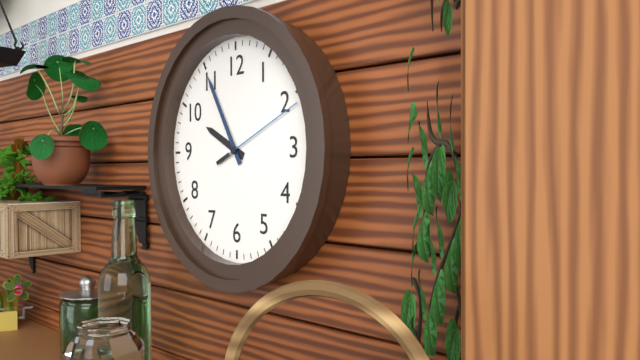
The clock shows 9:55:11
